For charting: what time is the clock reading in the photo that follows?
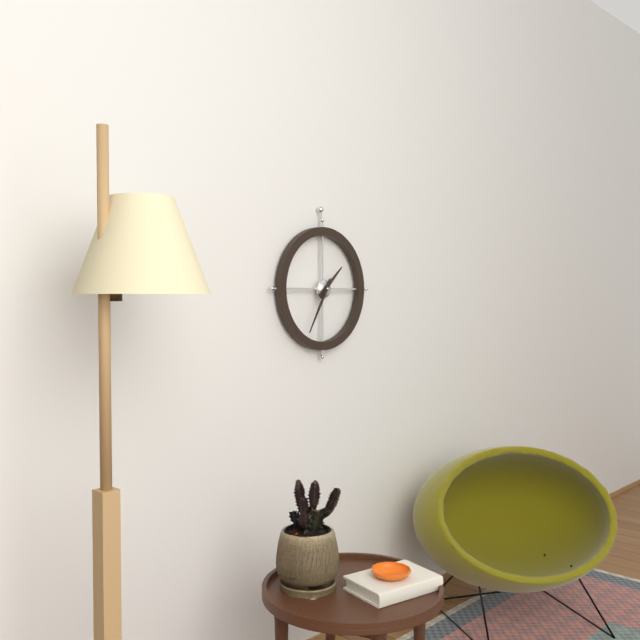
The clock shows 1:35
